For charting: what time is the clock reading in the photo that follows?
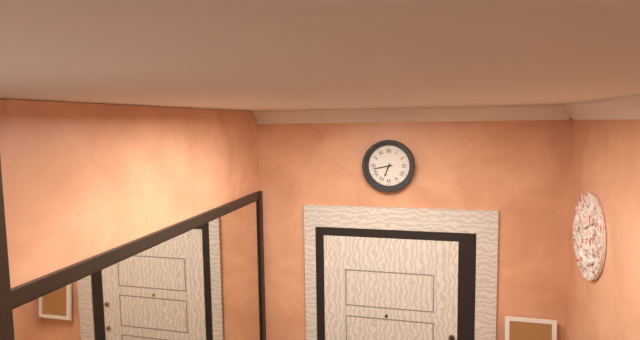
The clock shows 6:43
